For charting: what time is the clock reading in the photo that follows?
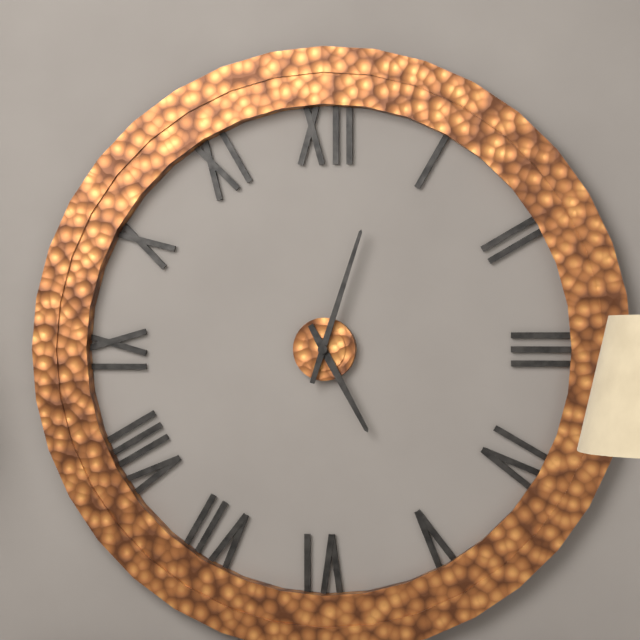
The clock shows 5:03
